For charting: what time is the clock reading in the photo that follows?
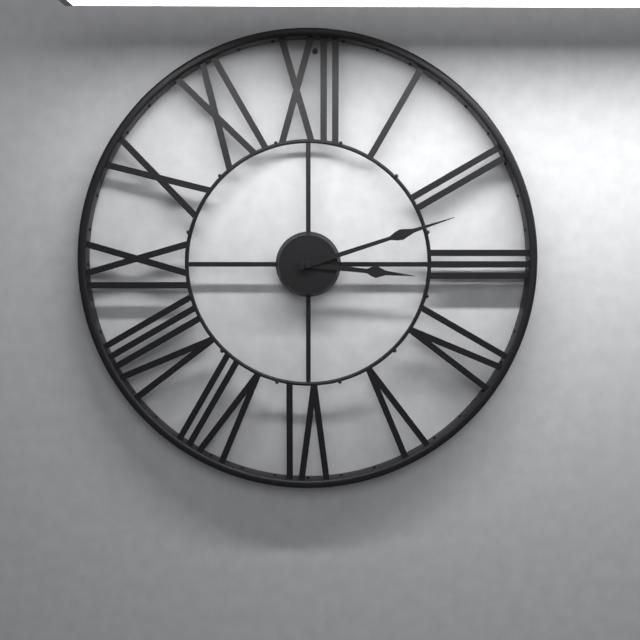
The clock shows 3:12
